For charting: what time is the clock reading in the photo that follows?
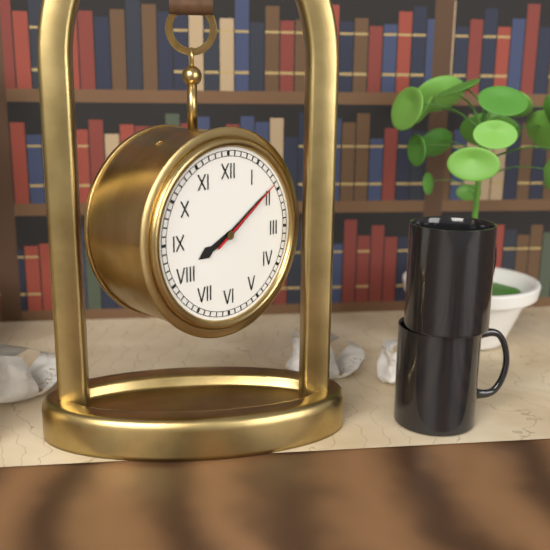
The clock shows 8:09:09
